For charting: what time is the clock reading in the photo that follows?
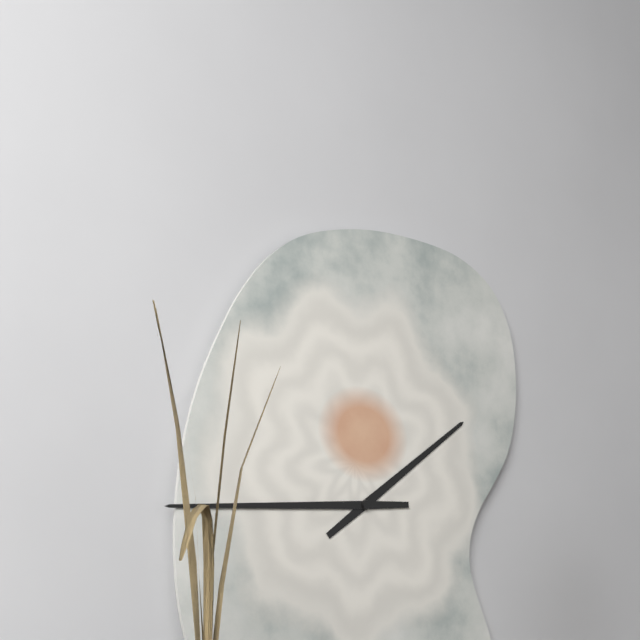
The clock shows 1:44
